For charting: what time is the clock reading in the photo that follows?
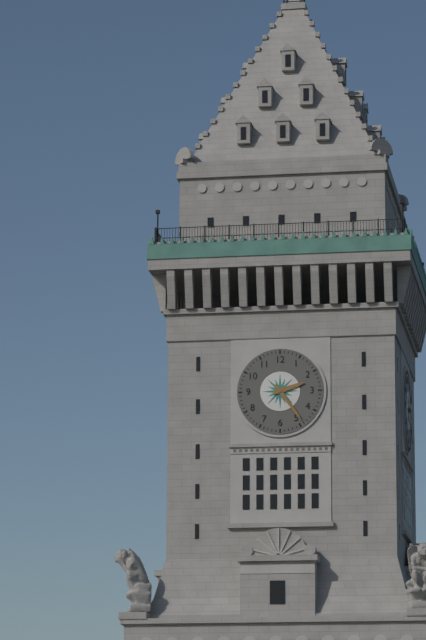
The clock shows 2:24
